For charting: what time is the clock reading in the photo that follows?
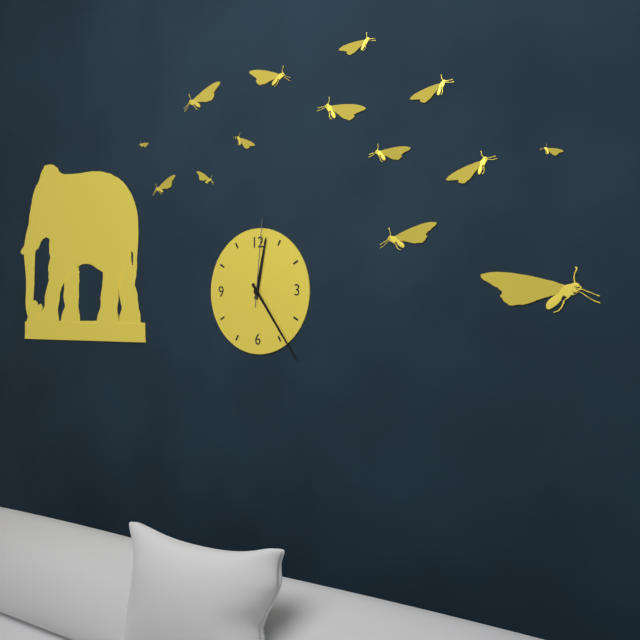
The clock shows 12:24:01
